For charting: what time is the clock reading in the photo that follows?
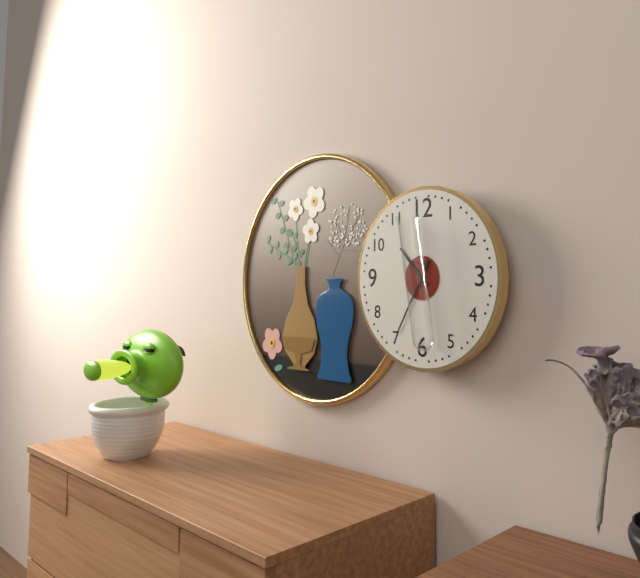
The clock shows 10:35
